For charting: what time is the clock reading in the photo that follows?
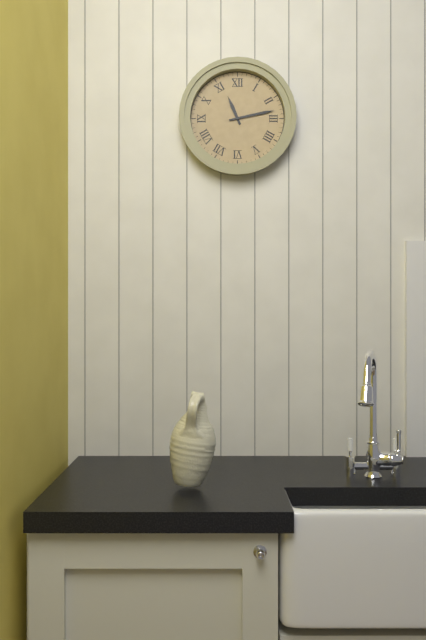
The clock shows 11:13
